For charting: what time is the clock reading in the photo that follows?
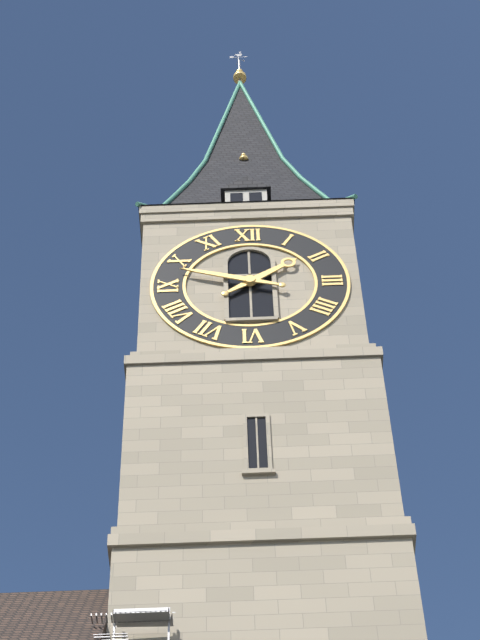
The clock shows 1:48
